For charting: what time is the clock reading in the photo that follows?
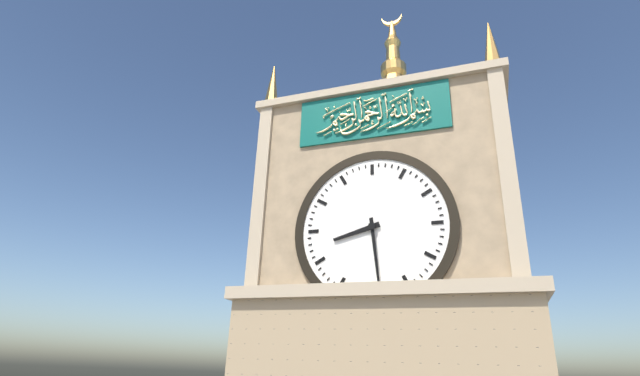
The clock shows 8:29
